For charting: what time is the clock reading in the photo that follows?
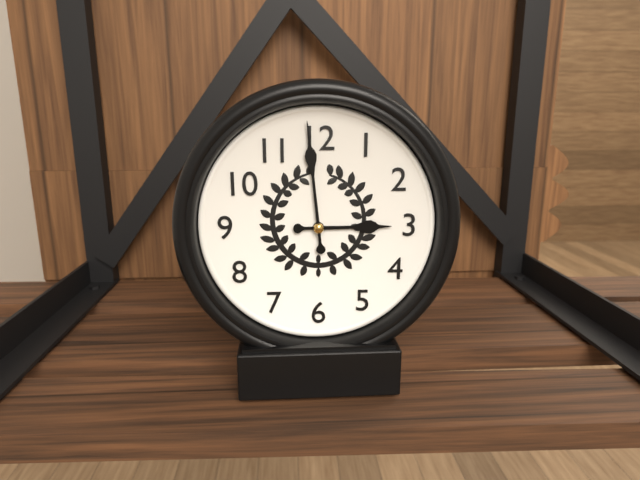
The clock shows 2:59
